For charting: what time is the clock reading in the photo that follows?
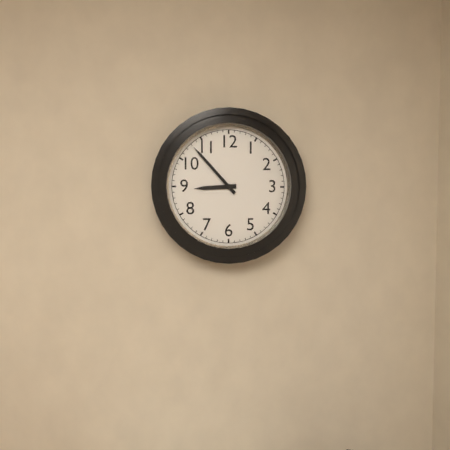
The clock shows 8:53
